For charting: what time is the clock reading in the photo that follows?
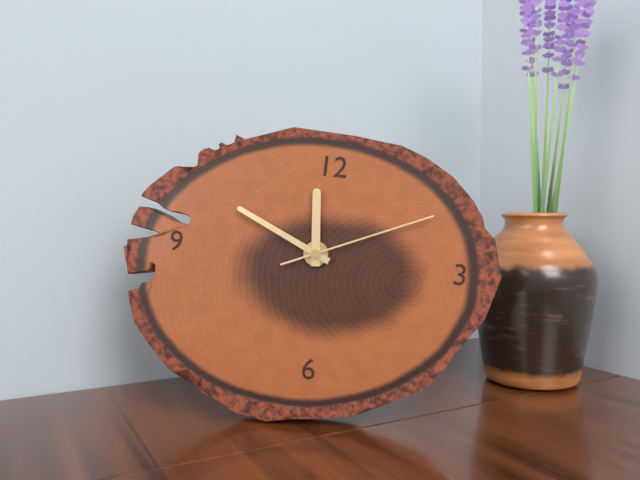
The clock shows 11:49:11
